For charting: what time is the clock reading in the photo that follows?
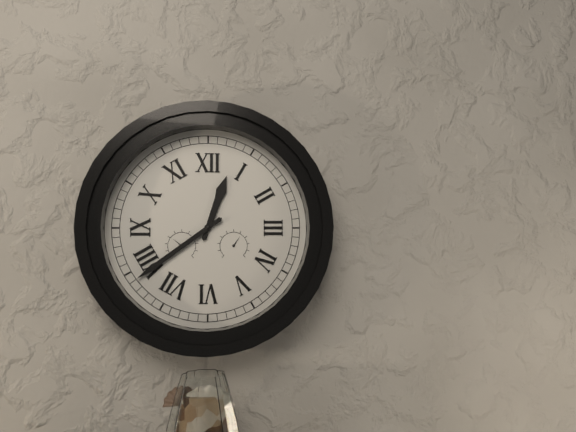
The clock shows 12:39
